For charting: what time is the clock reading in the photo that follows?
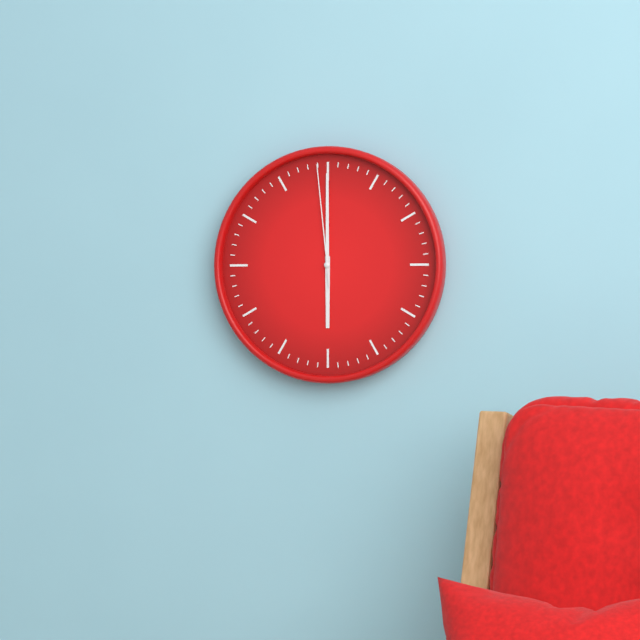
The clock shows 6:00:59
